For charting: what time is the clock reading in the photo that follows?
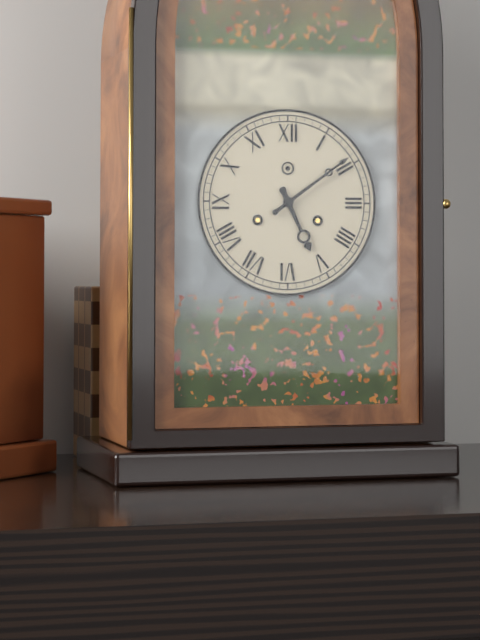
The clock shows 5:09
